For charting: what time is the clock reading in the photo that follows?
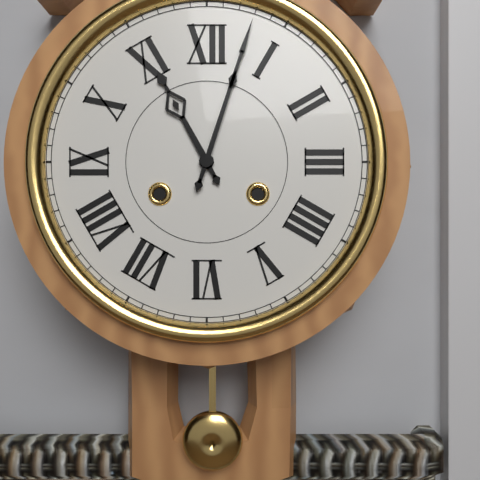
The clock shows 11:03
